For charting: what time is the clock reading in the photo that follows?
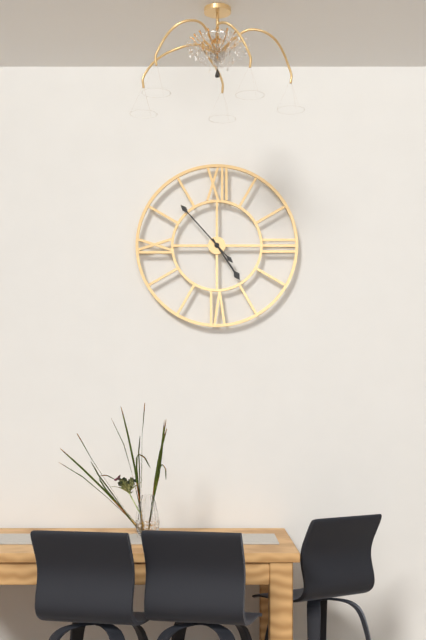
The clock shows 4:53
